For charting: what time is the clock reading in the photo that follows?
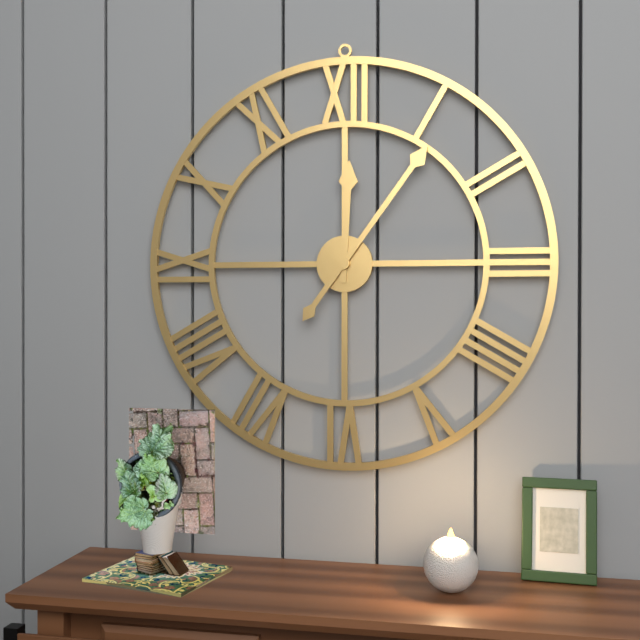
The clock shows 12:06
